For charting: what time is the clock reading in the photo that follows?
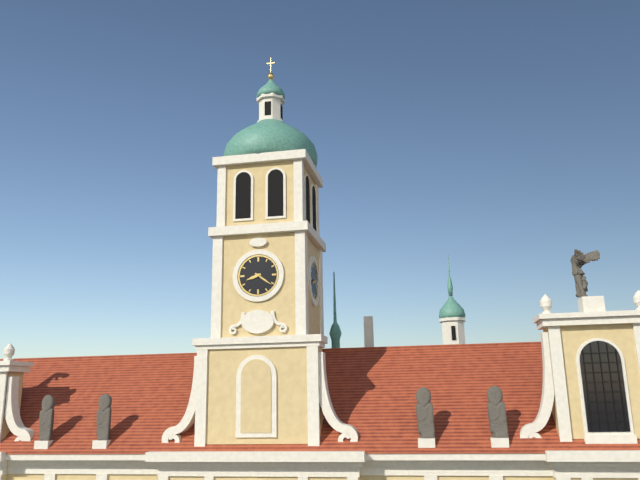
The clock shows 8:21
